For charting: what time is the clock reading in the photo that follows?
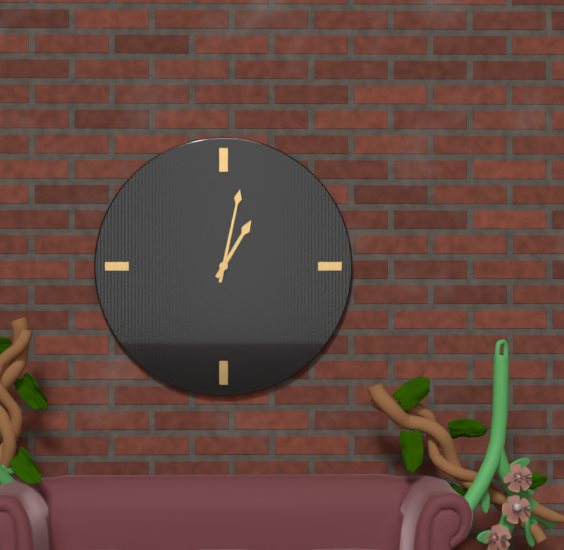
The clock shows 1:02
